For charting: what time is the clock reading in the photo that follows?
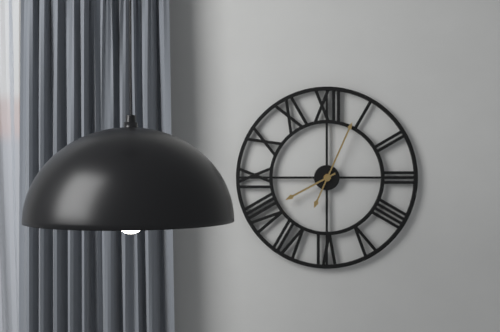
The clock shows 8:04
